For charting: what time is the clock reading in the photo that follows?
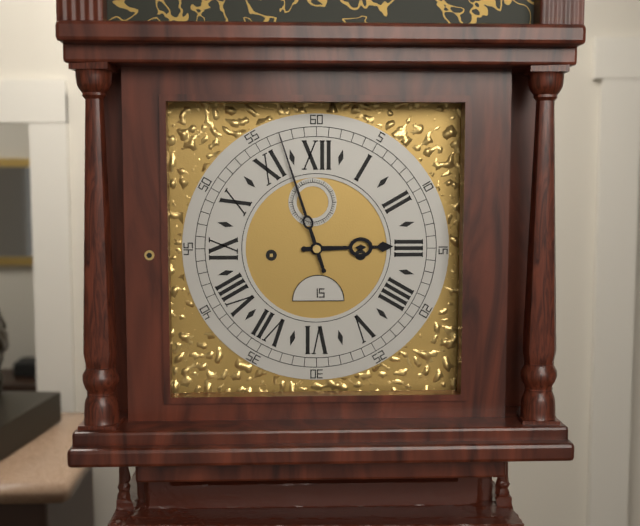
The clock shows 2:57
